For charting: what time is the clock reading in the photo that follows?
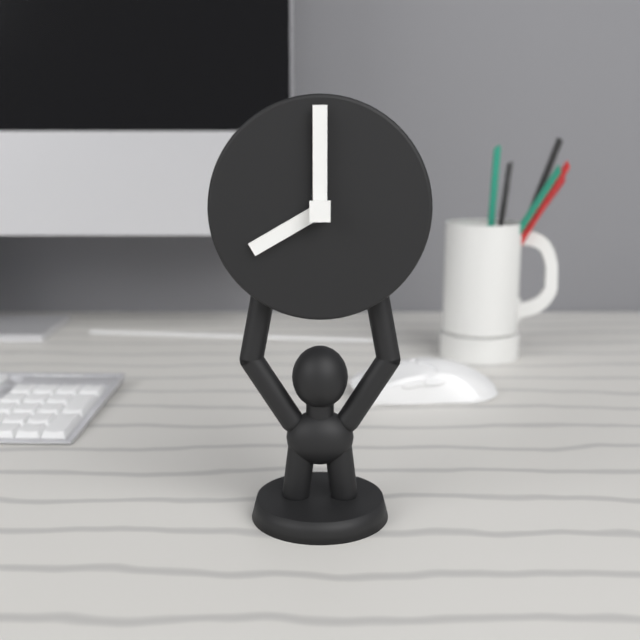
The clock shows 8:00
